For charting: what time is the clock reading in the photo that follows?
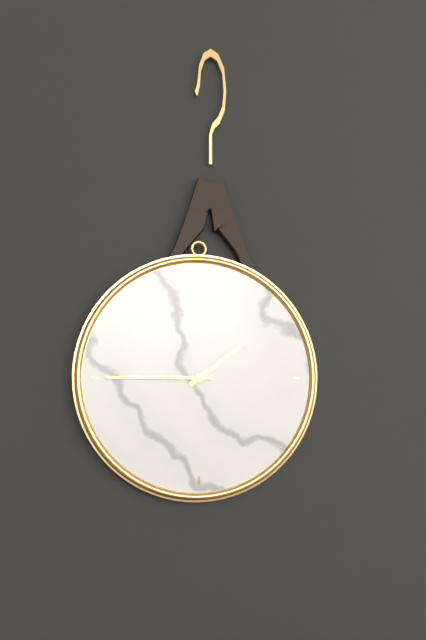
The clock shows 1:45
